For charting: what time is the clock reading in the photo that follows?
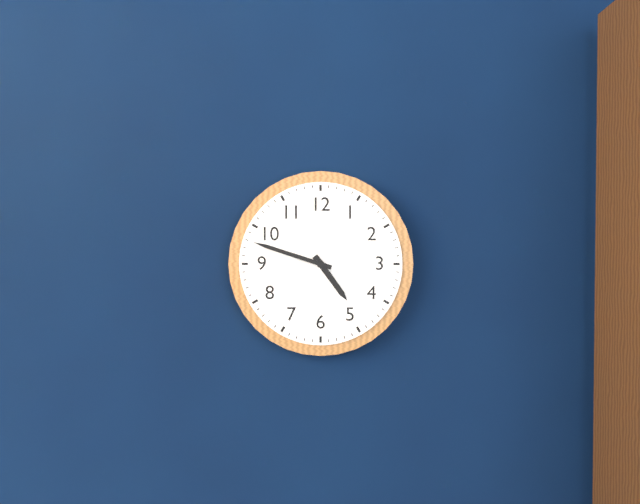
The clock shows 4:48
